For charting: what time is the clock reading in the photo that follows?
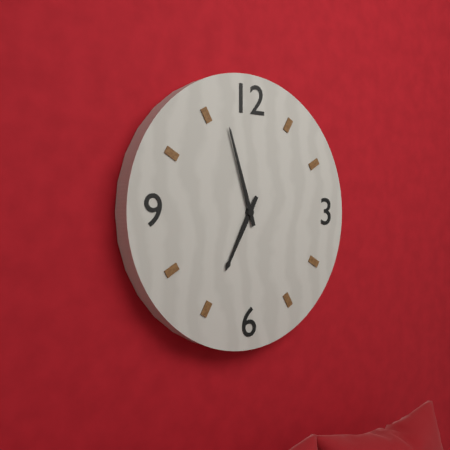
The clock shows 6:57
